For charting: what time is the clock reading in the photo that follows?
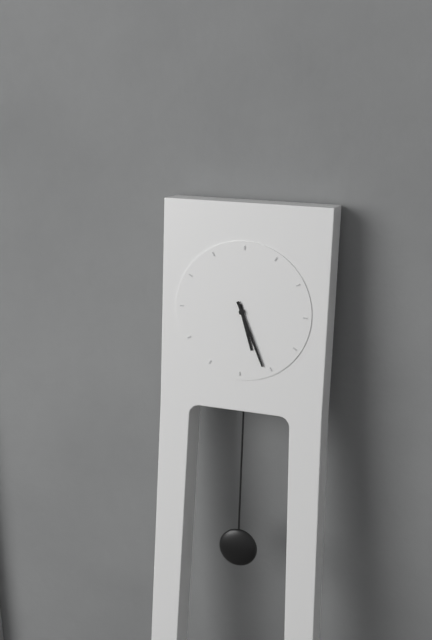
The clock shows 5:26
